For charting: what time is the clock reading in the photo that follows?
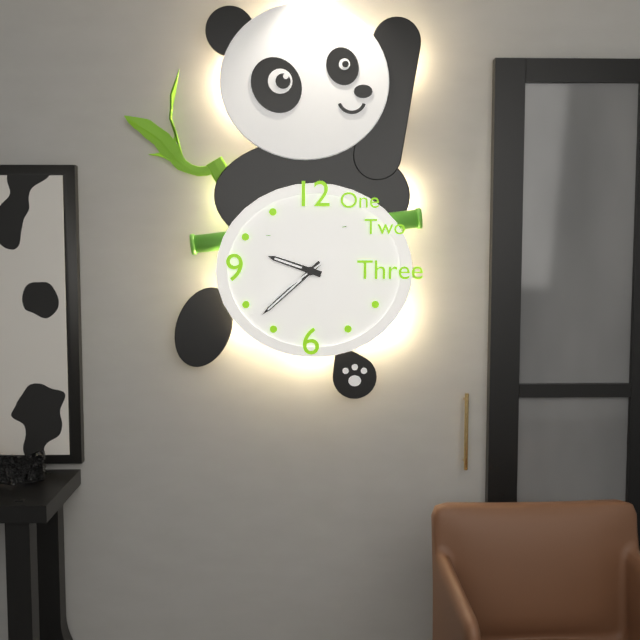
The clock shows 9:38:39
